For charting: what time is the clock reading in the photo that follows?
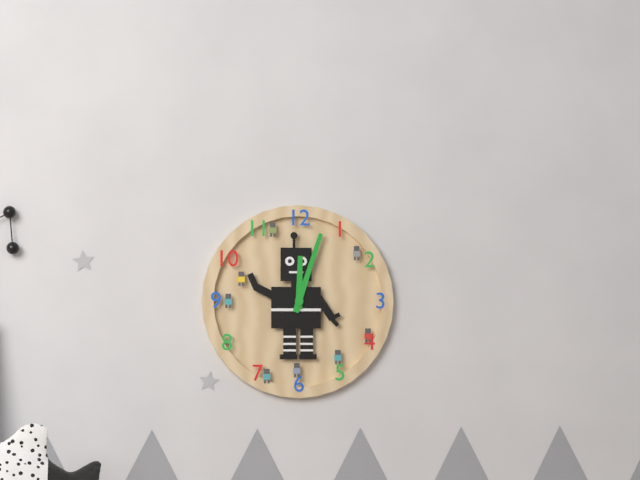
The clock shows 12:03
